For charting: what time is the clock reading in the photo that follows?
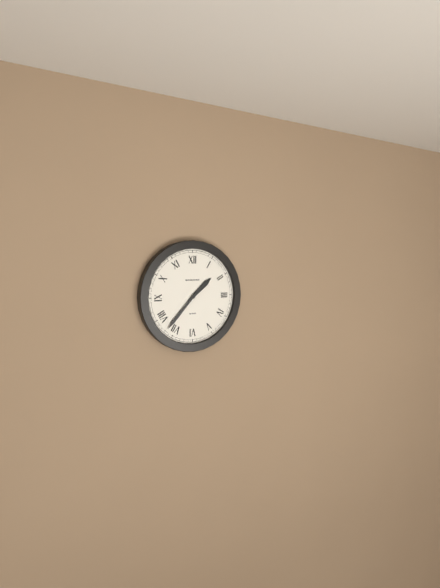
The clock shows 1:37
